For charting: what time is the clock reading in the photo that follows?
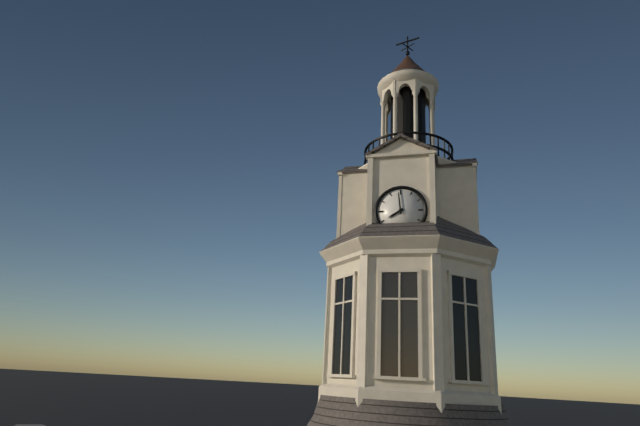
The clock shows 7:59
